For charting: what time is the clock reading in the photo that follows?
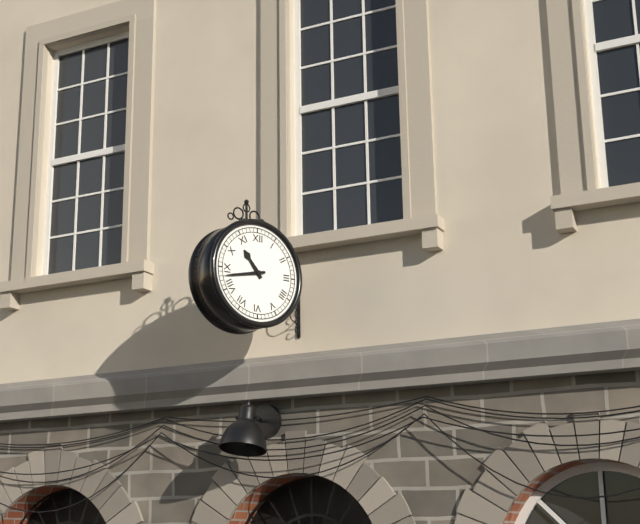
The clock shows 10:43
